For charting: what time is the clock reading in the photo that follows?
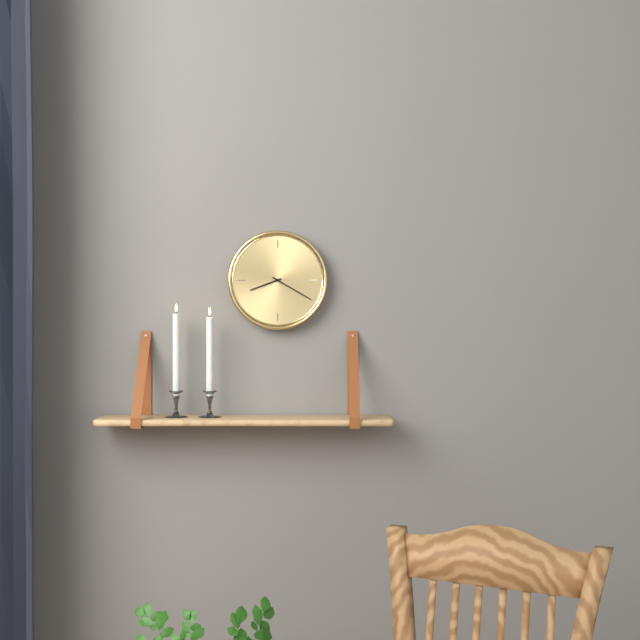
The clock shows 8:20
